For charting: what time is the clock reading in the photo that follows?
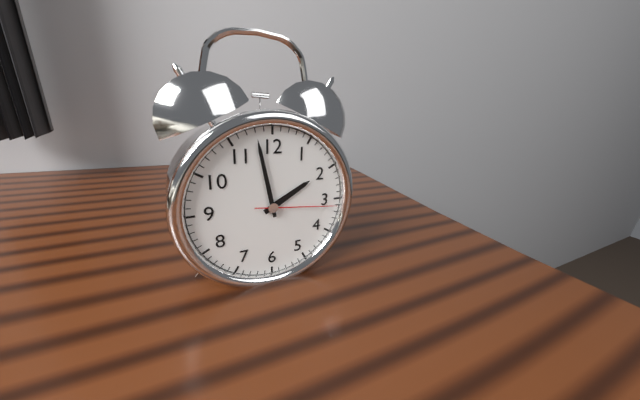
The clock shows 1:58:16
